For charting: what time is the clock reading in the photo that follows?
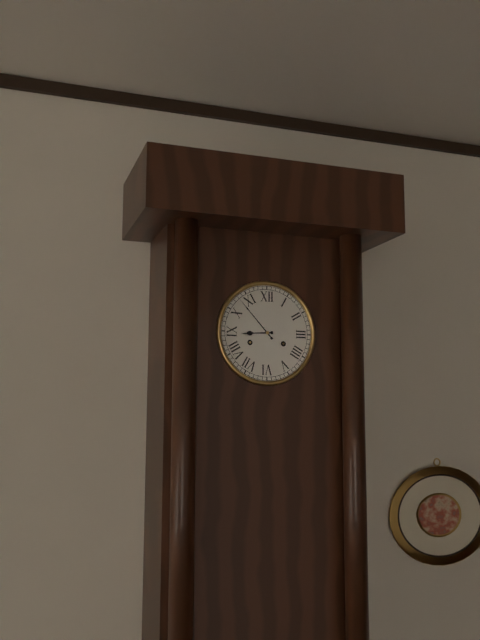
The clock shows 8:53
